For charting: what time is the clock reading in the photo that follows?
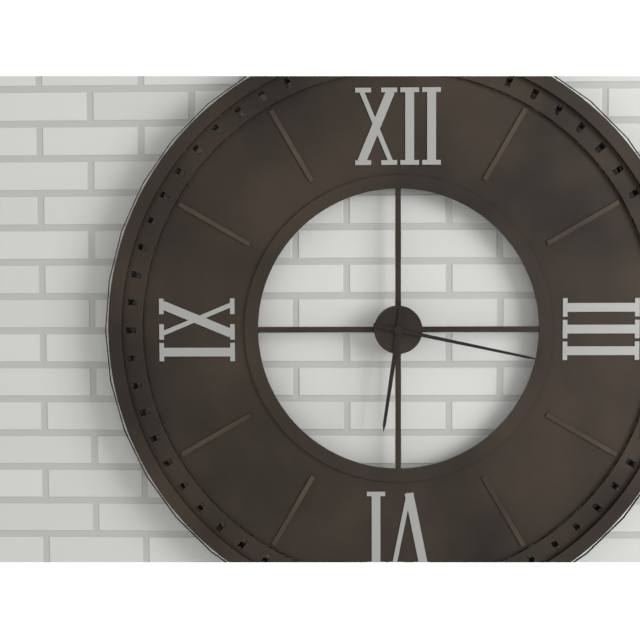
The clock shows 6:17
